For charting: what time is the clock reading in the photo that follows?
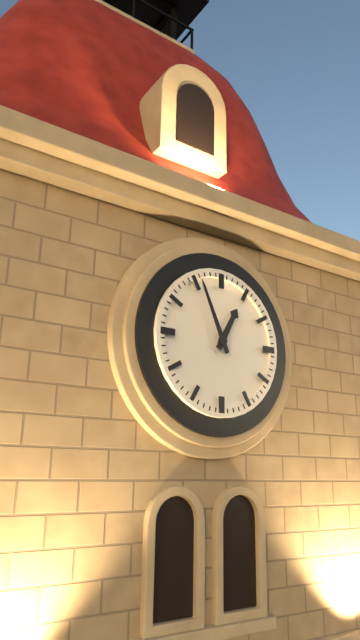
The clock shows 12:56
